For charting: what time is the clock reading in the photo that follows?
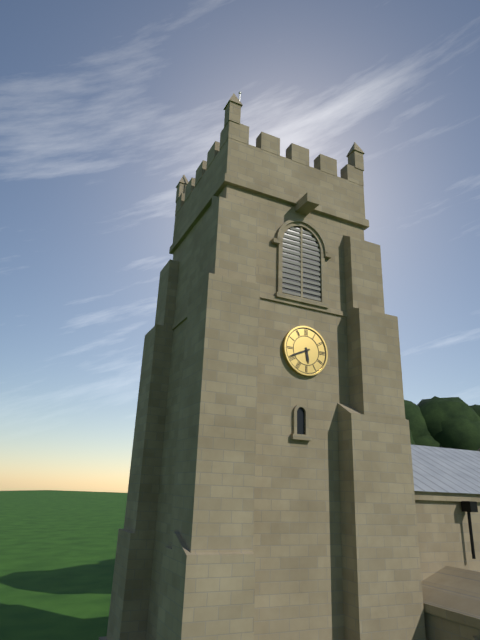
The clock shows 5:41
